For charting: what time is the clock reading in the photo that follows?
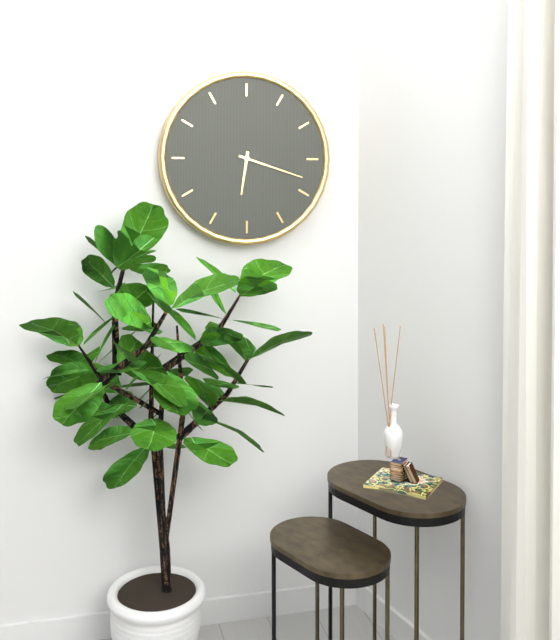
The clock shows 6:18
